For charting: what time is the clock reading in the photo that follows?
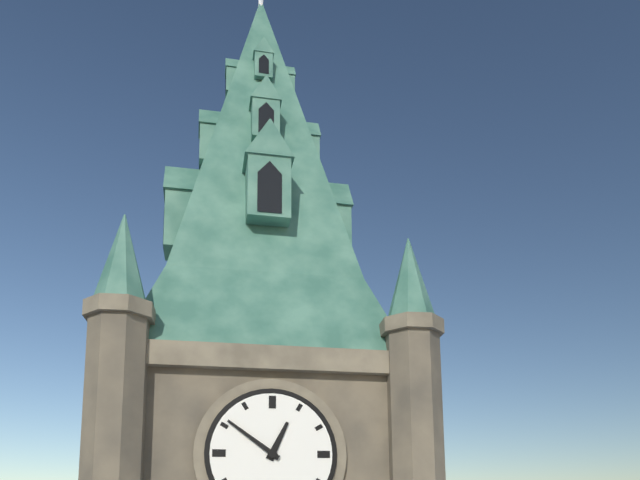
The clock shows 12:51
